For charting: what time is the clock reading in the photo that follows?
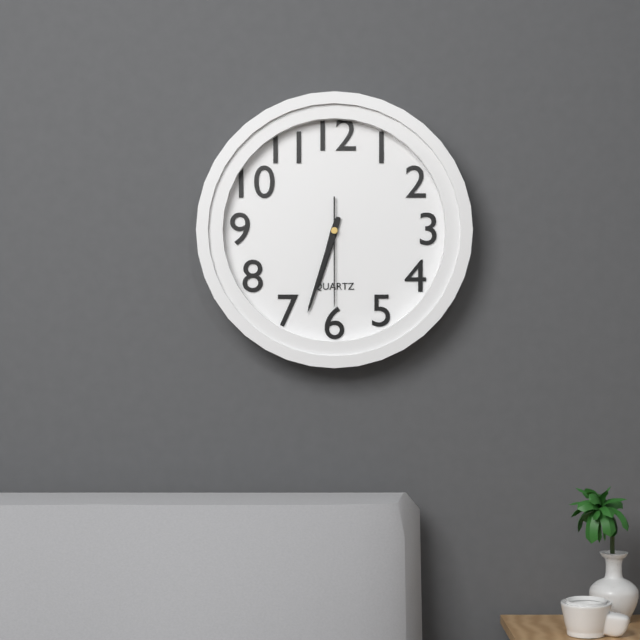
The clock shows 6:33:30
